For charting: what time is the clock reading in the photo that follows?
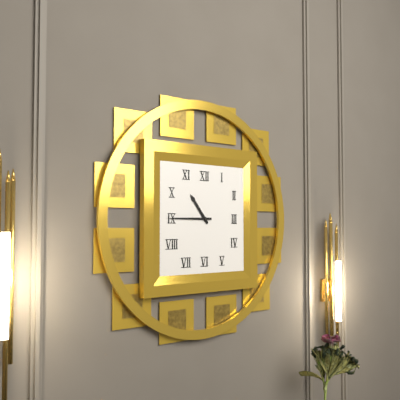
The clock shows 10:45
